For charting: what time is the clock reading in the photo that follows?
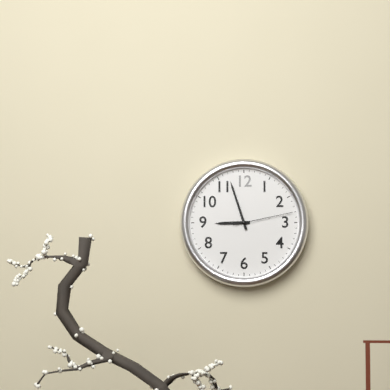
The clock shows 8:57:13
